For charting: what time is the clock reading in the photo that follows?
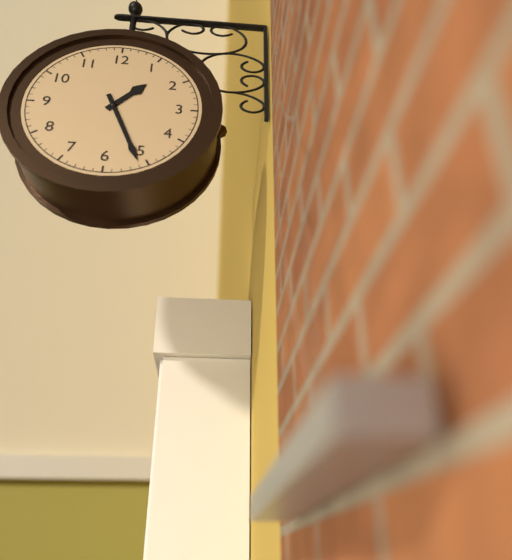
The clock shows 1:26
